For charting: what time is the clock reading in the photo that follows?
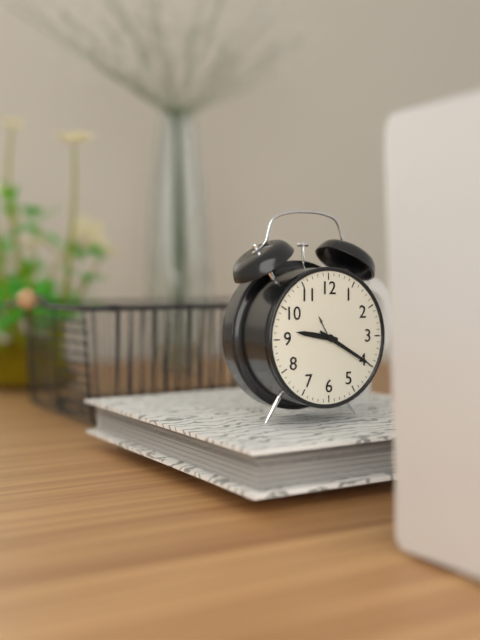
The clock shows 9:20
